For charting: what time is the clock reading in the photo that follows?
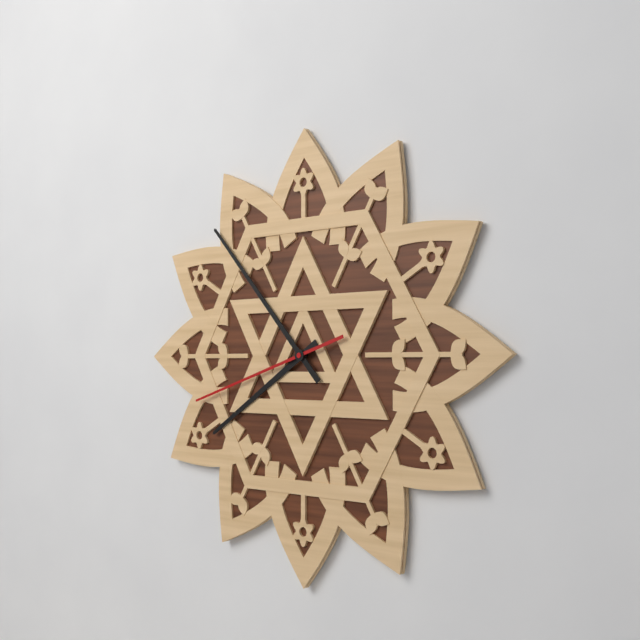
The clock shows 7:53:42
